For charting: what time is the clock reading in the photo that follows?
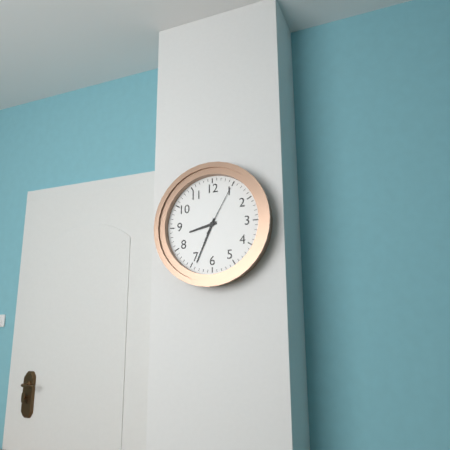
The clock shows 8:34:05
